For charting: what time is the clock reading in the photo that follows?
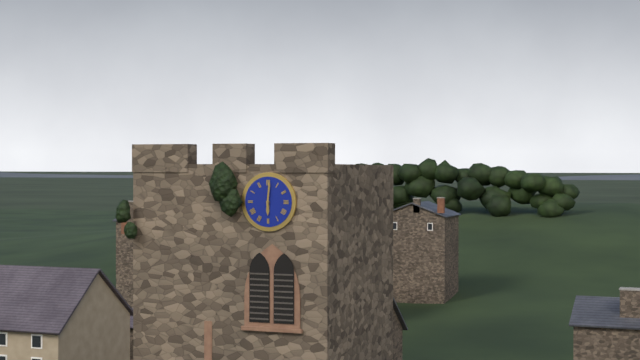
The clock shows 6:01
